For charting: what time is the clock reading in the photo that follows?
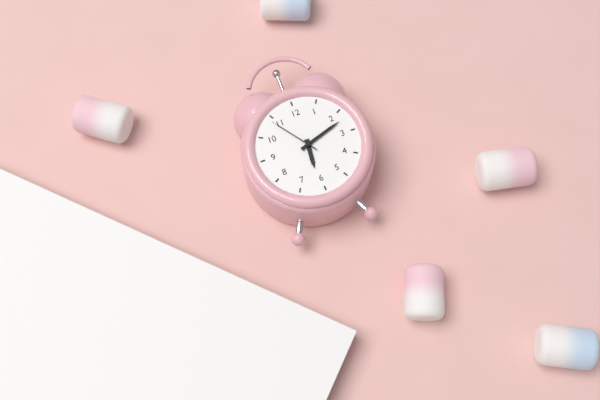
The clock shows 6:12:54
